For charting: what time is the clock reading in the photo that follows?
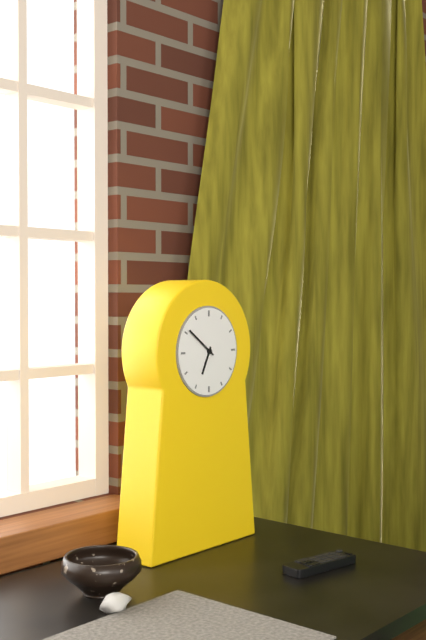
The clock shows 6:51
